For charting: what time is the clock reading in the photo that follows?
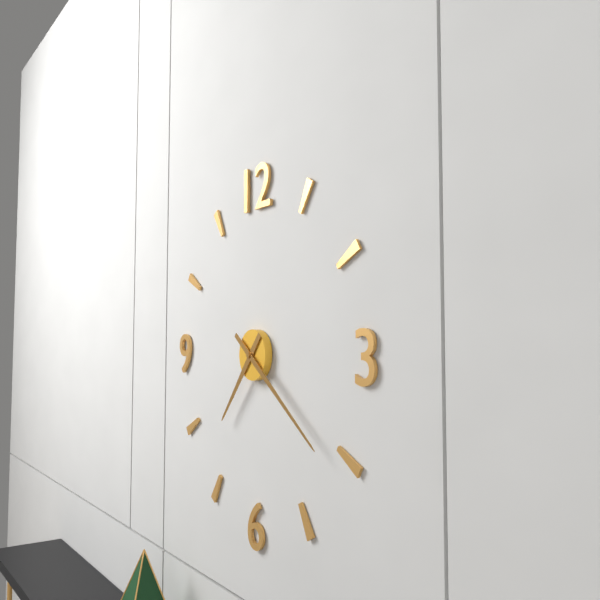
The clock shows 7:21
